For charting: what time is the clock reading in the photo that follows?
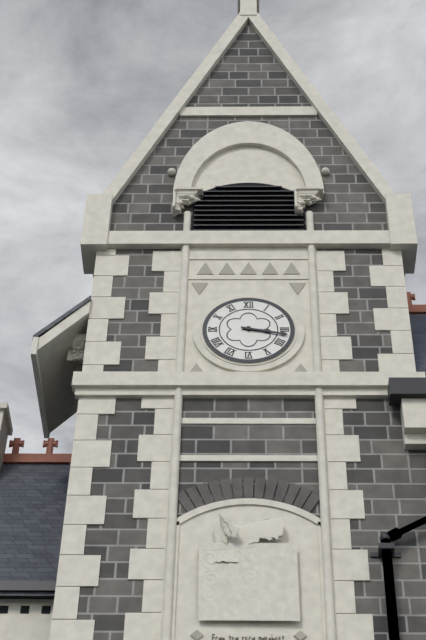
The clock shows 3:17
